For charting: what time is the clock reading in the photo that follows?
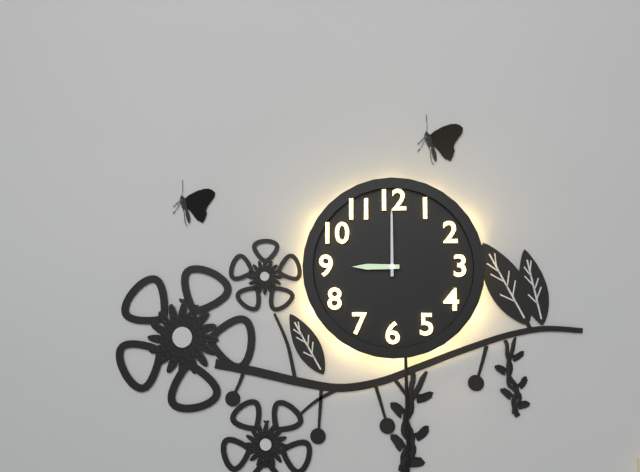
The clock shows 9:00
